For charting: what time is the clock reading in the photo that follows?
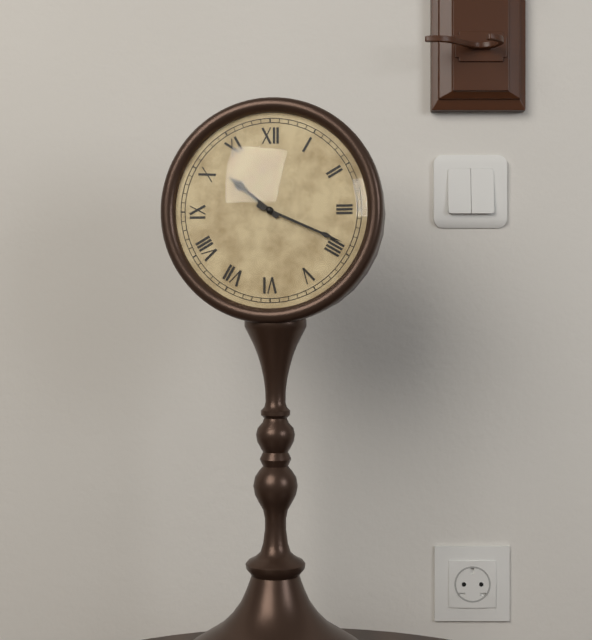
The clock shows 10:19
